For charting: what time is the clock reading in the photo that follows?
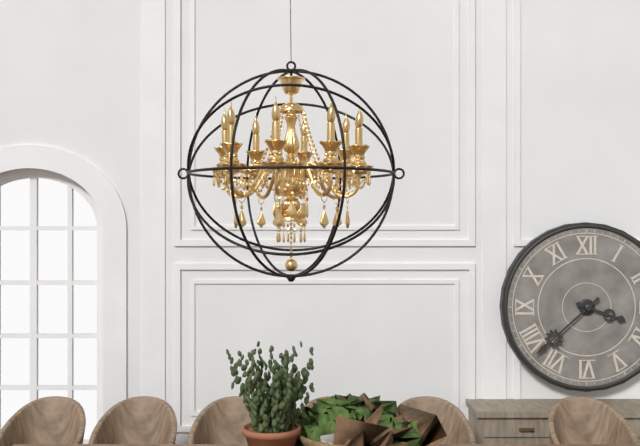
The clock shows 3:38
